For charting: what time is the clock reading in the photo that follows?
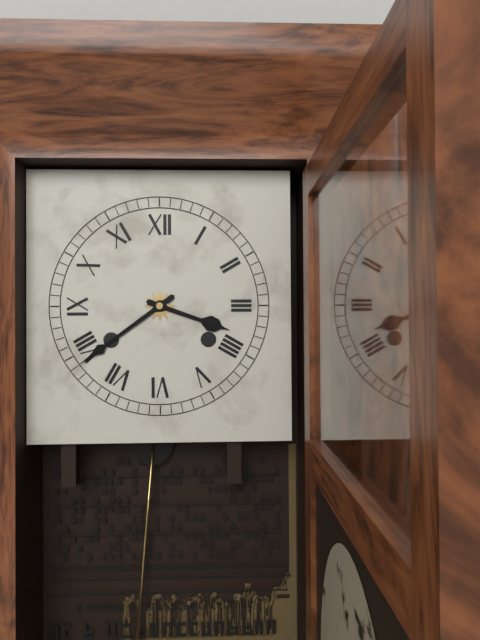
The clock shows 3:39
